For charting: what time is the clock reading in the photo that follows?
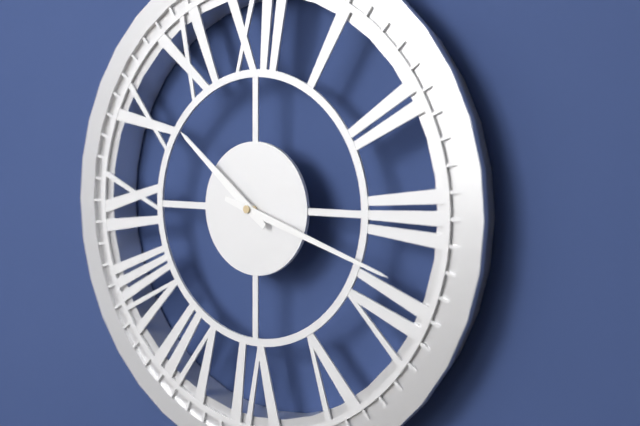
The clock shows 10:18
